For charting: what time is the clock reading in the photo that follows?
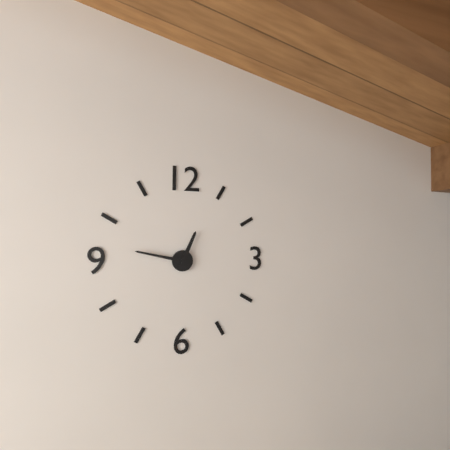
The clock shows 12:47
